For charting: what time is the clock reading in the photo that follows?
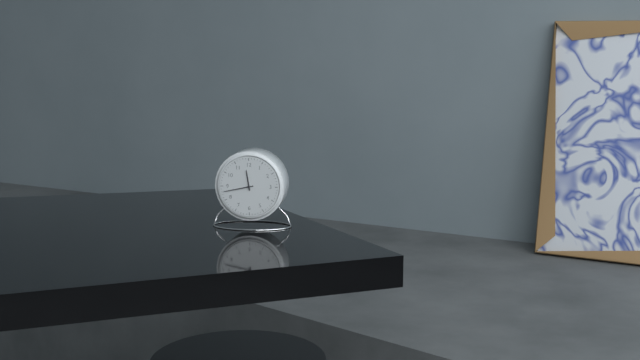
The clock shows 11:43
